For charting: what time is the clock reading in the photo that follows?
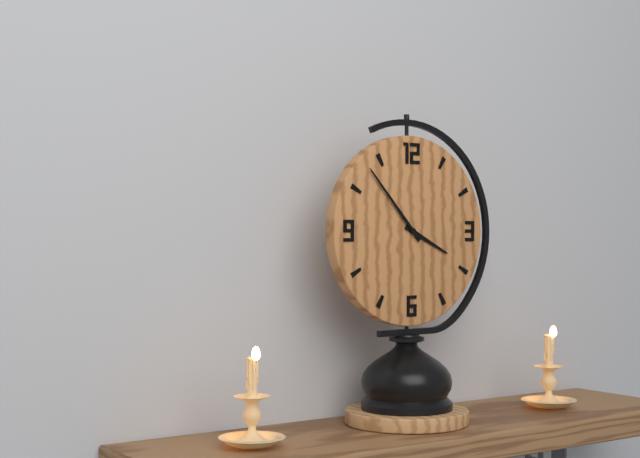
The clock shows 3:53
